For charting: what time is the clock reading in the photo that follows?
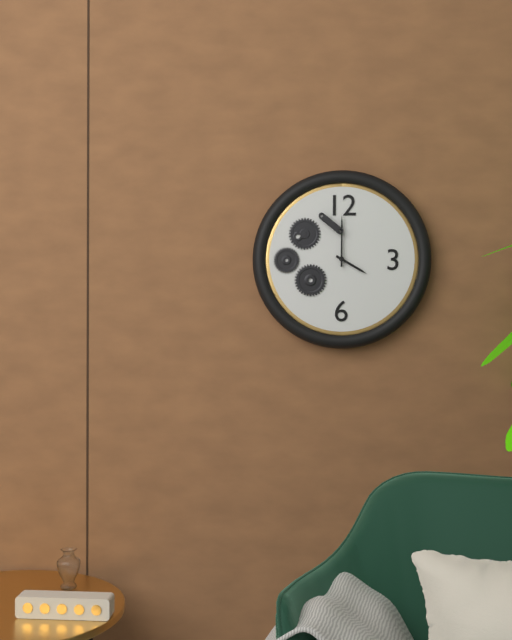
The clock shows 4:00
